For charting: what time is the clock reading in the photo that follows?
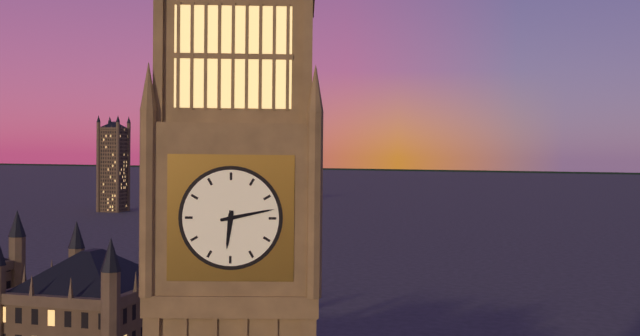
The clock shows 6:13
